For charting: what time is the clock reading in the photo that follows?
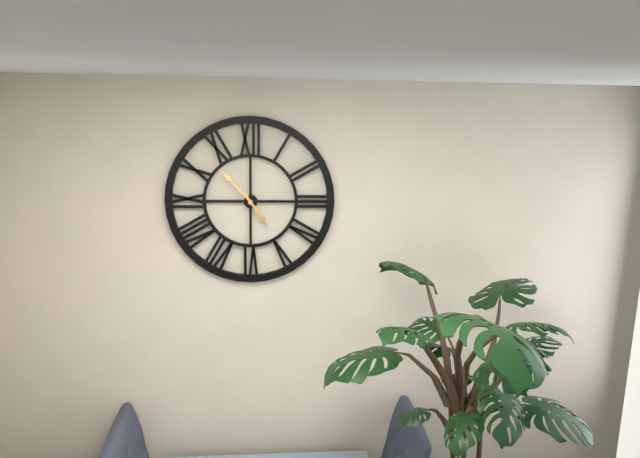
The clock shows 4:53
